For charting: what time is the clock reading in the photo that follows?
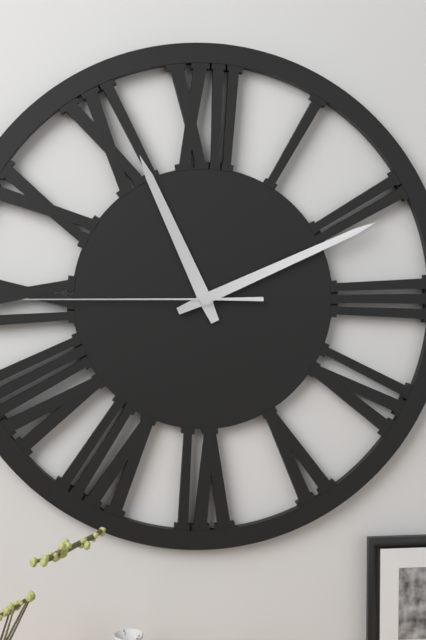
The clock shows 11:11:45
